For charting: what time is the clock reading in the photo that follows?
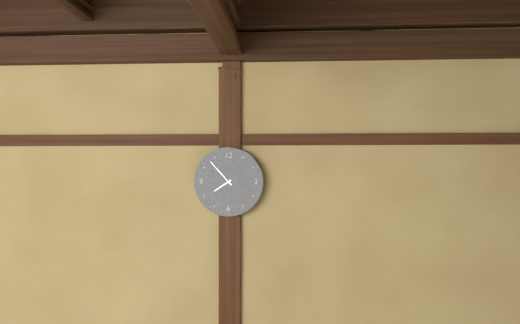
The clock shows 7:53
